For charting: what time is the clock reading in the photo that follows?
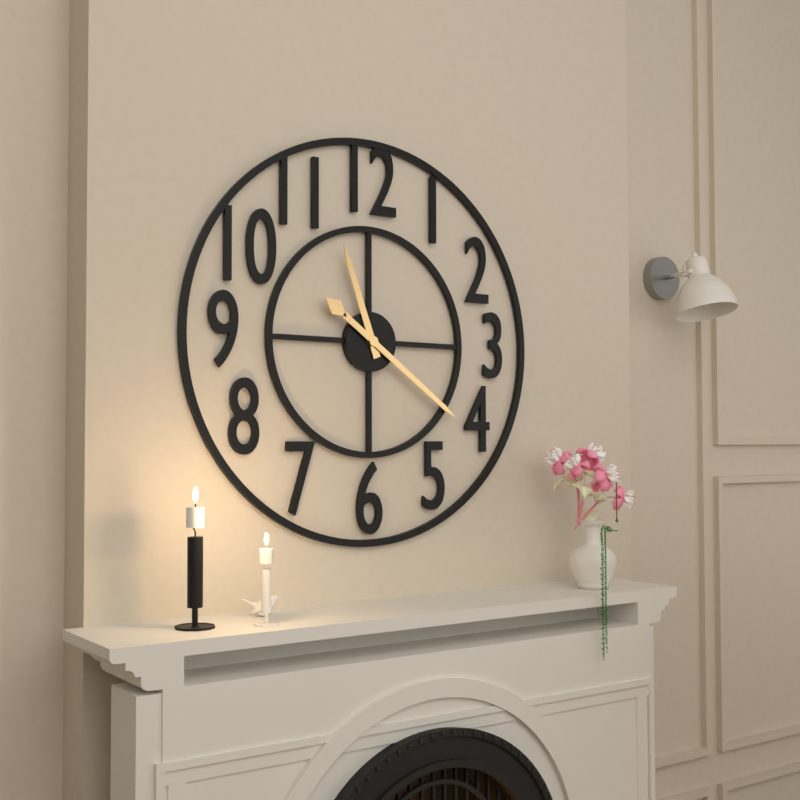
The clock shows 11:21
